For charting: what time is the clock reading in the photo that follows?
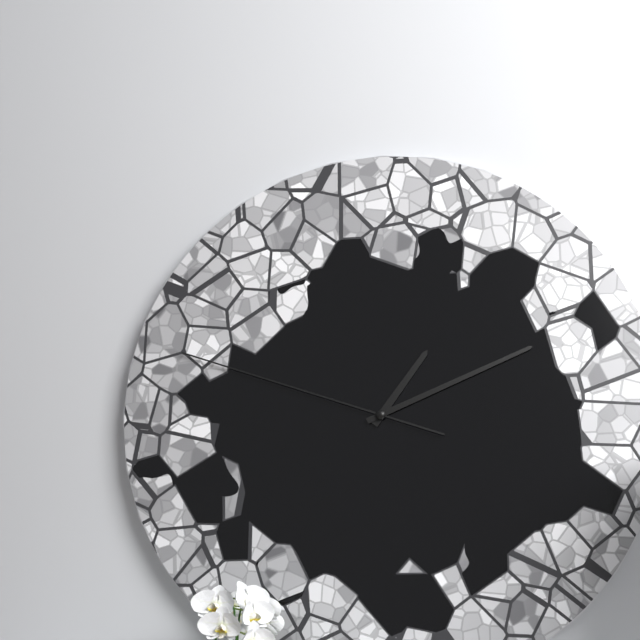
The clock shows 1:11:48
